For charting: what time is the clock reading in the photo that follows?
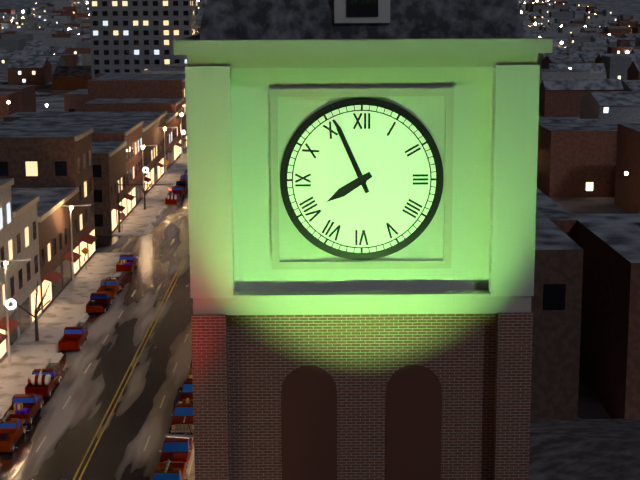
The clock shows 7:56
